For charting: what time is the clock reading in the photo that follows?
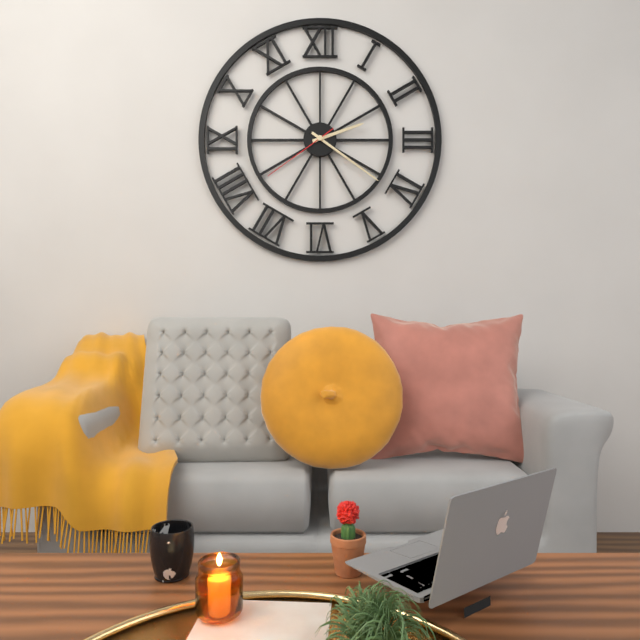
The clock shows 2:21:39
